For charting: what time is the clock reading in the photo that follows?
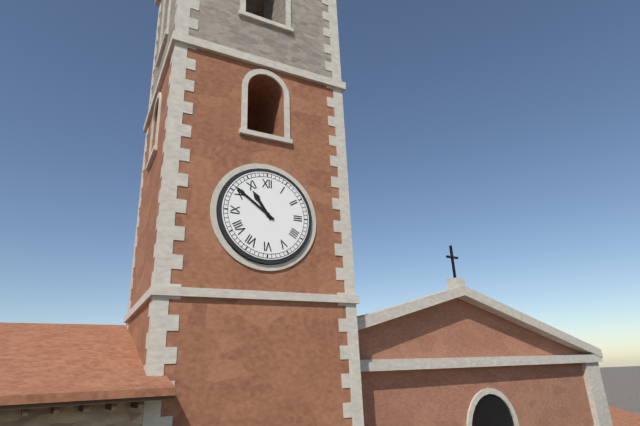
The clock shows 10:51
